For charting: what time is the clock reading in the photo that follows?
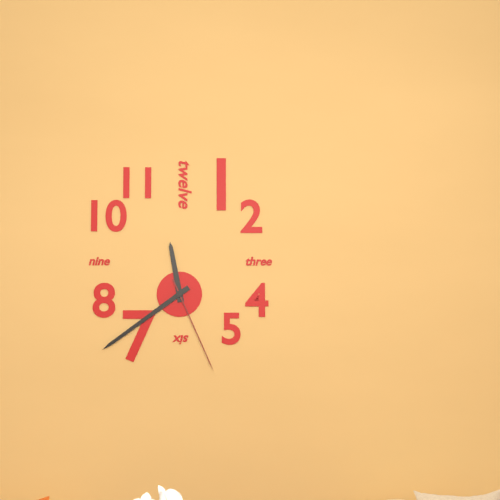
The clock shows 11:39:26
